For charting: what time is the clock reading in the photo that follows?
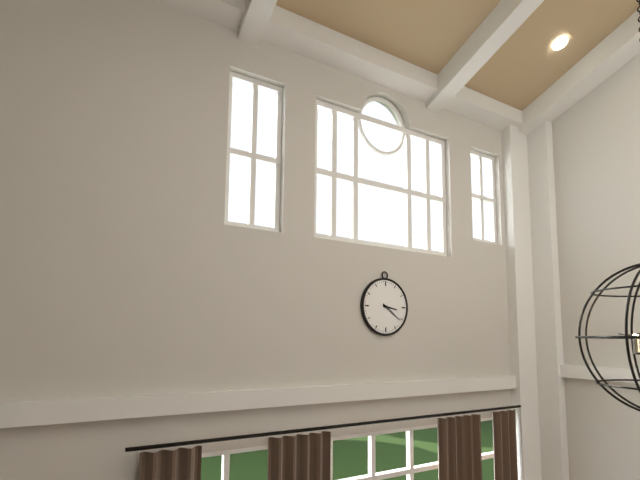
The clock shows 3:21
